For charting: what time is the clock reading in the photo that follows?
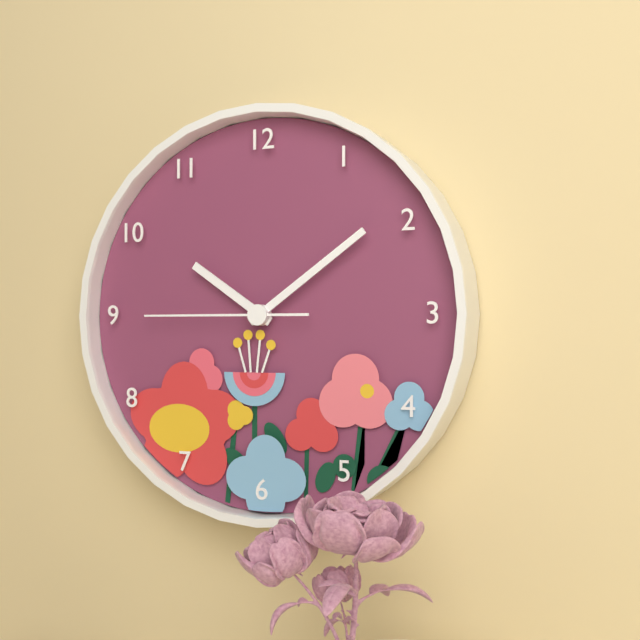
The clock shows 10:09:45
